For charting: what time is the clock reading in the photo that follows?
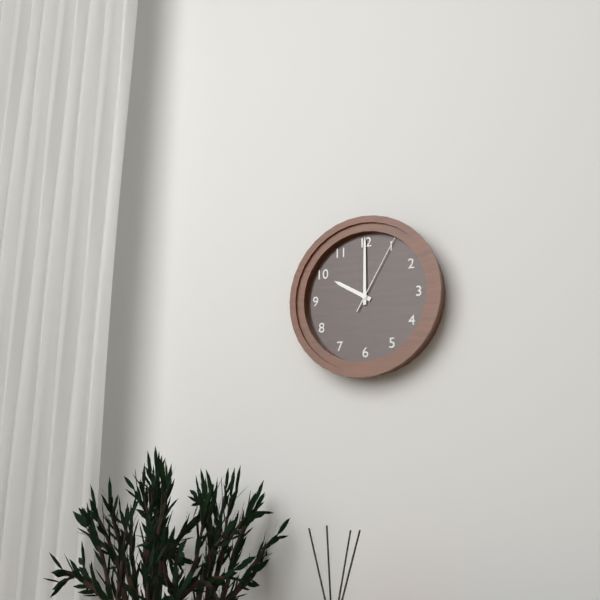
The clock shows 10:00:05
